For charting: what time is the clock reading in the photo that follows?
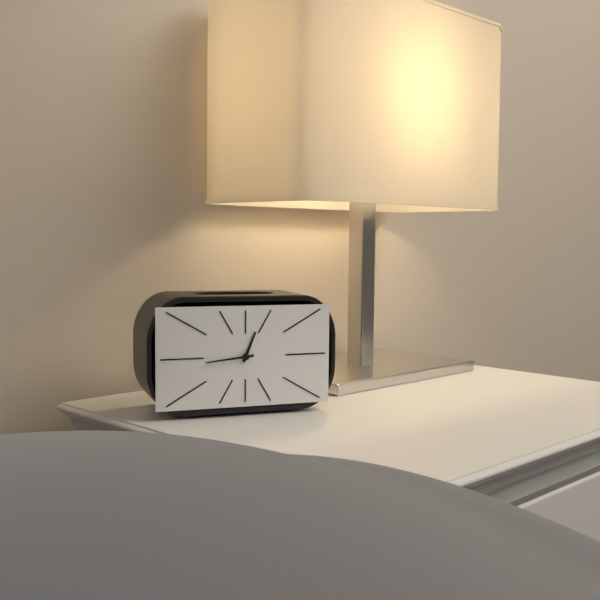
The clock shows 12:44
